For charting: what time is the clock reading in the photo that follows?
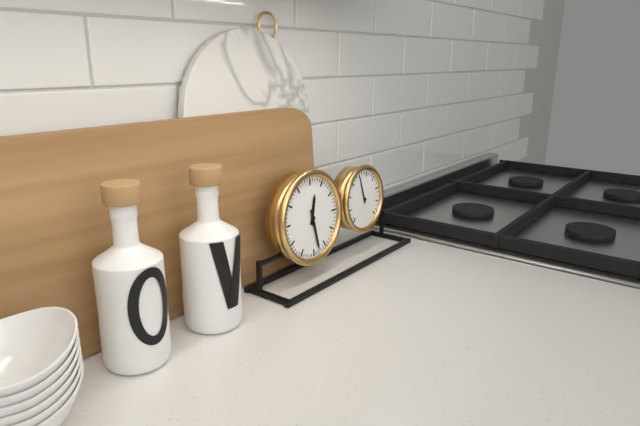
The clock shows 12:28
